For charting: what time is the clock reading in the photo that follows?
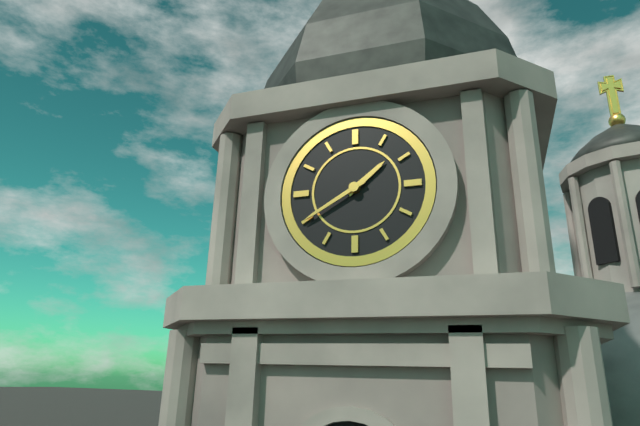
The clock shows 1:40
